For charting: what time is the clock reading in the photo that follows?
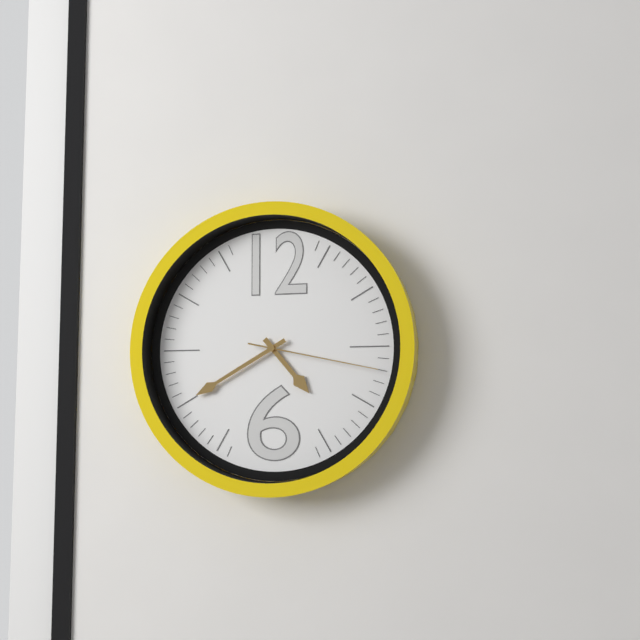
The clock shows 4:40:17
